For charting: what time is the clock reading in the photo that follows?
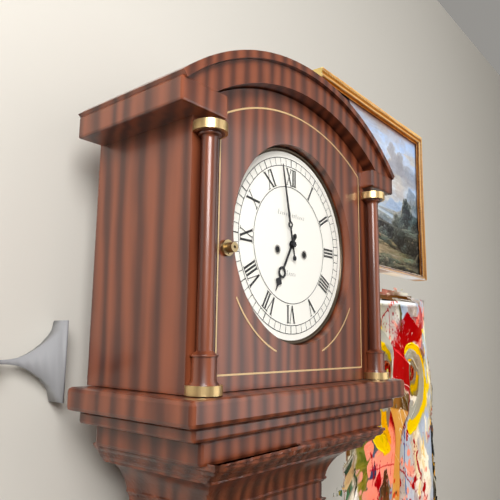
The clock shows 6:58
